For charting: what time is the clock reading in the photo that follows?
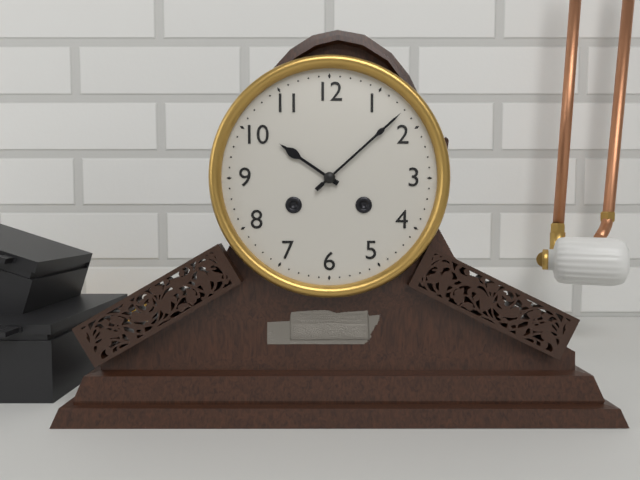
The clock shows 10:08
